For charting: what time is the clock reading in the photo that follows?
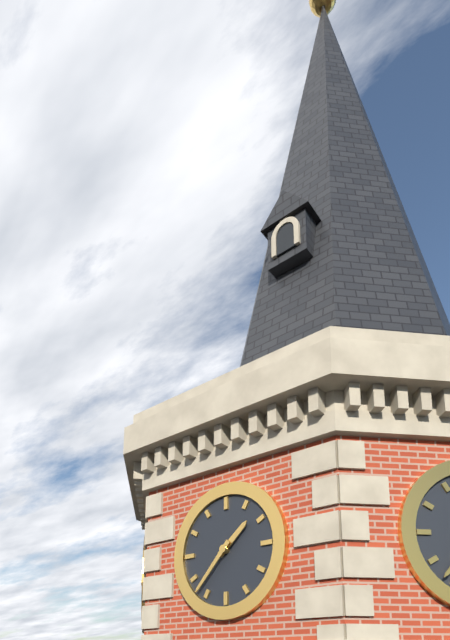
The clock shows 1:37
